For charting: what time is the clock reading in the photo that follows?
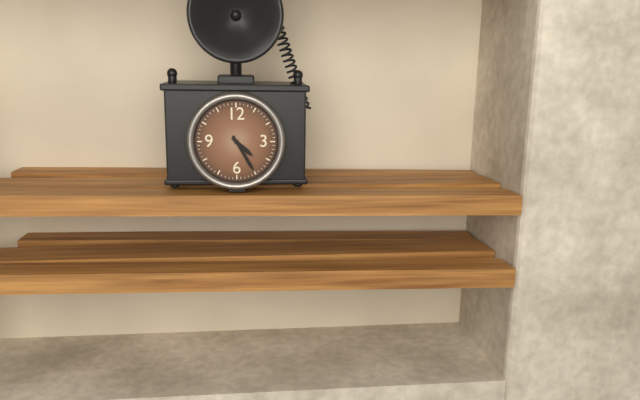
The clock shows 4:25
